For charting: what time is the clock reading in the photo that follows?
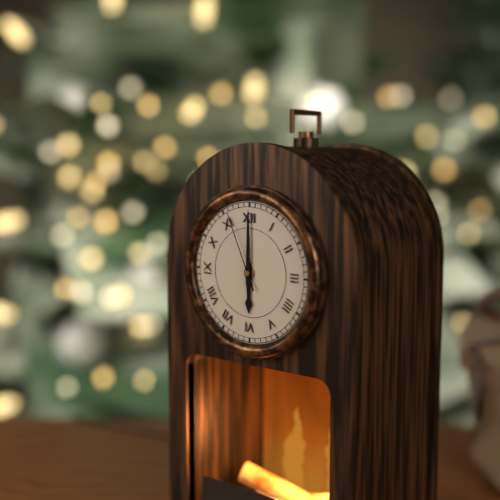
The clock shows 6:00:56
